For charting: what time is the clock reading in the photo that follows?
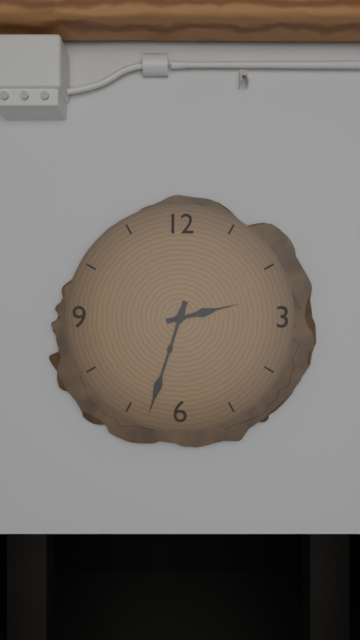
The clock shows 2:33
